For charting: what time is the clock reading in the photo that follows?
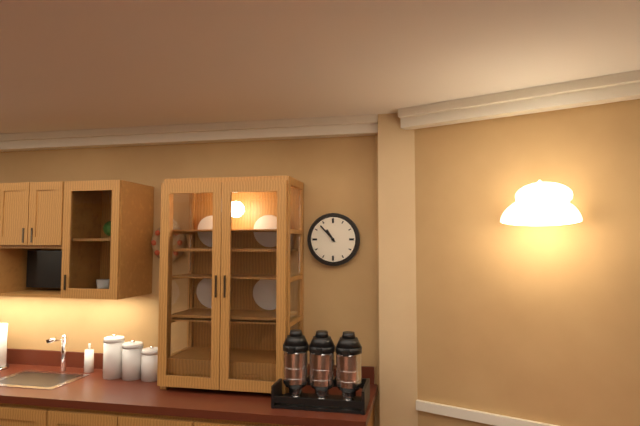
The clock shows 10:53
